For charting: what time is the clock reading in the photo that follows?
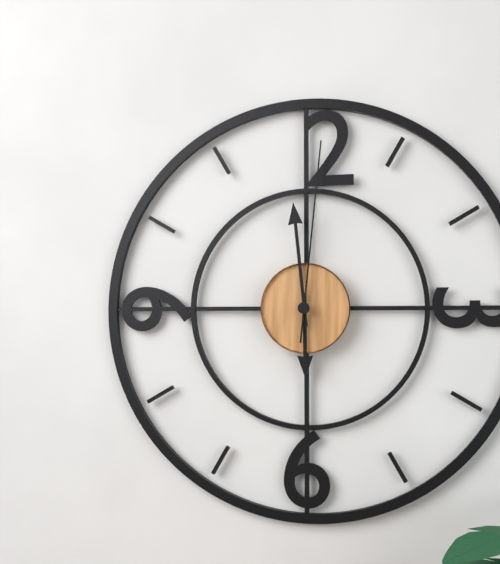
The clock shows 5:59:01
